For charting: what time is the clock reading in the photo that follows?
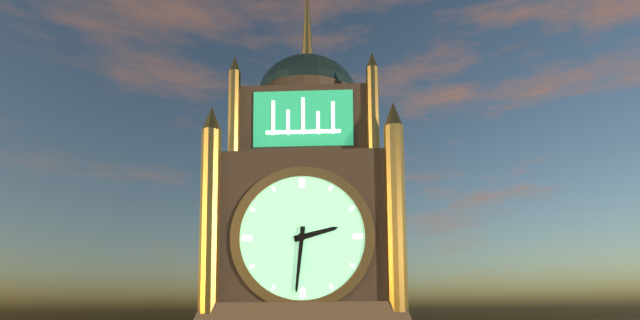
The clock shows 2:31
